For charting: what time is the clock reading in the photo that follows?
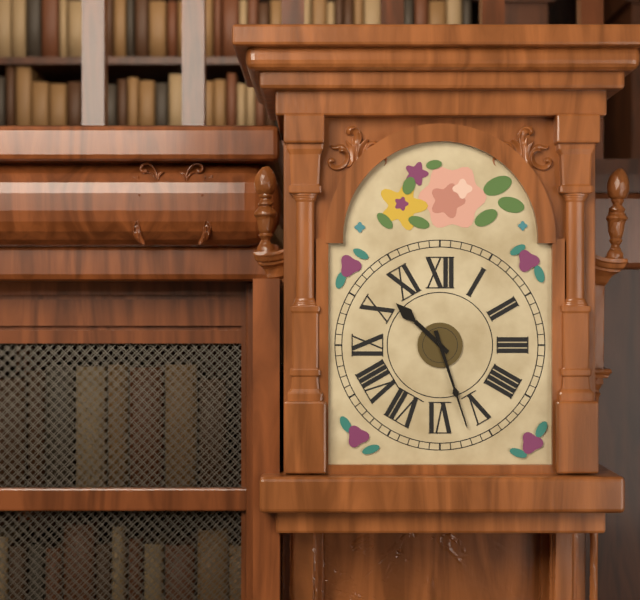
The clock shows 10:27
